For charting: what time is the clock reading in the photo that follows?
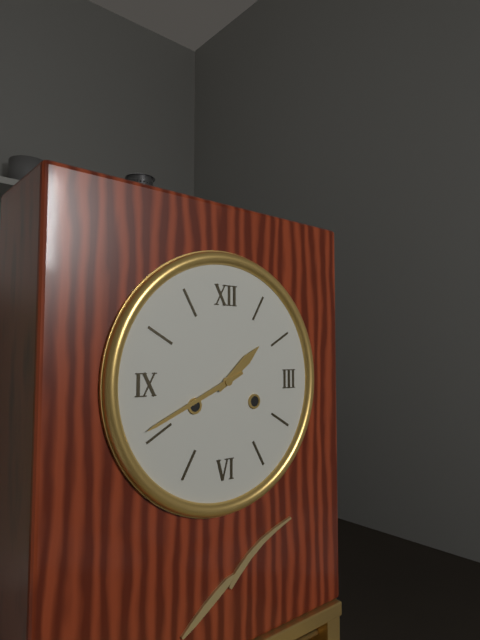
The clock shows 1:41
